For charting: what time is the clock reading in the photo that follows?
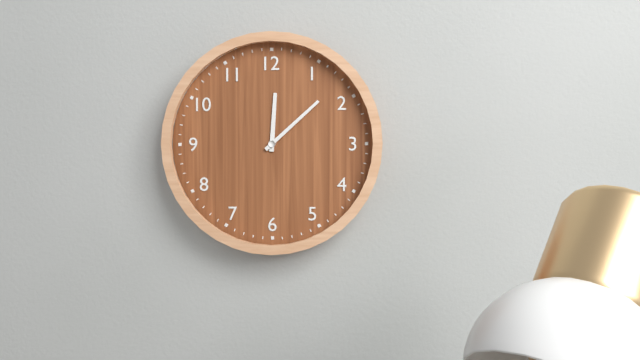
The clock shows 12:08
